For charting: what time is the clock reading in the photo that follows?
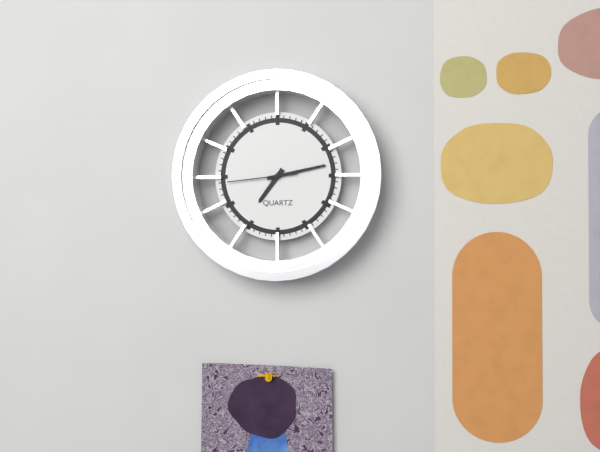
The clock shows 7:13:44
